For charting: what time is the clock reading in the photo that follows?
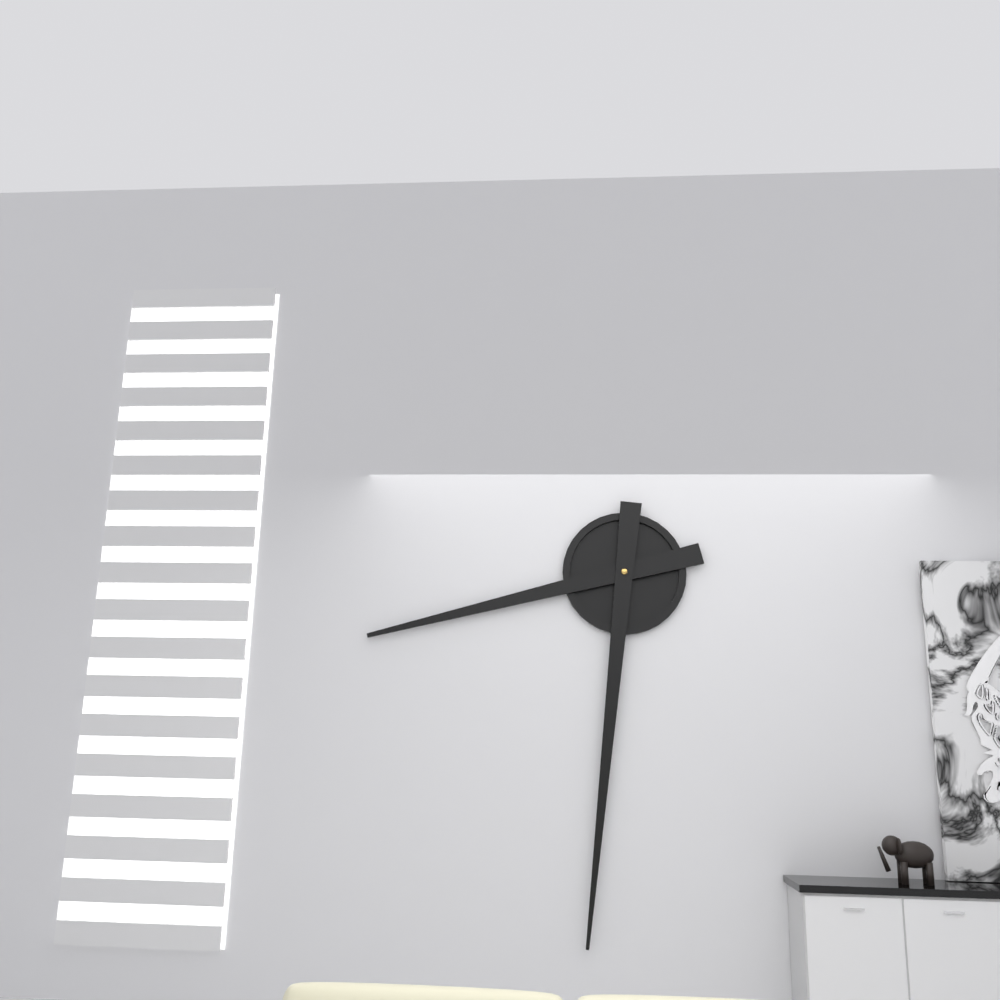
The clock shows 8:31
